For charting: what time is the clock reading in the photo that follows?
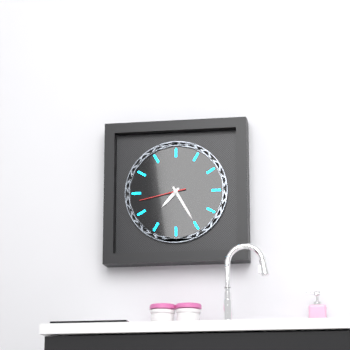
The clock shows 7:25
